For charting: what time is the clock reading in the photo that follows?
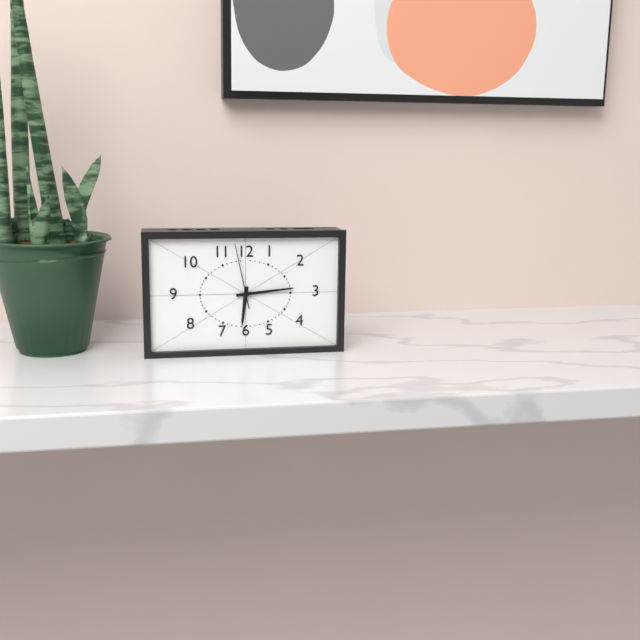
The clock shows 6:14:58
